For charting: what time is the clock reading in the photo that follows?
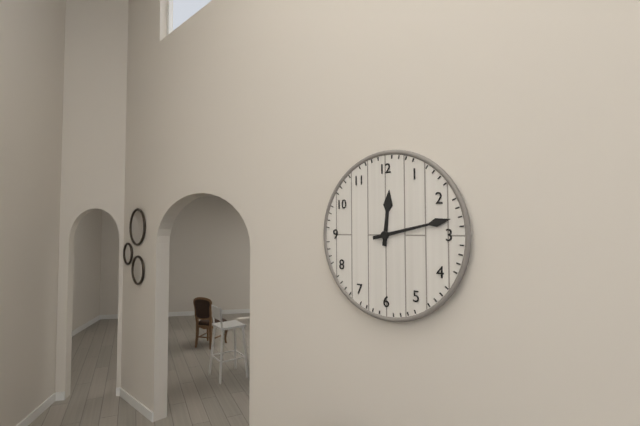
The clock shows 12:13
